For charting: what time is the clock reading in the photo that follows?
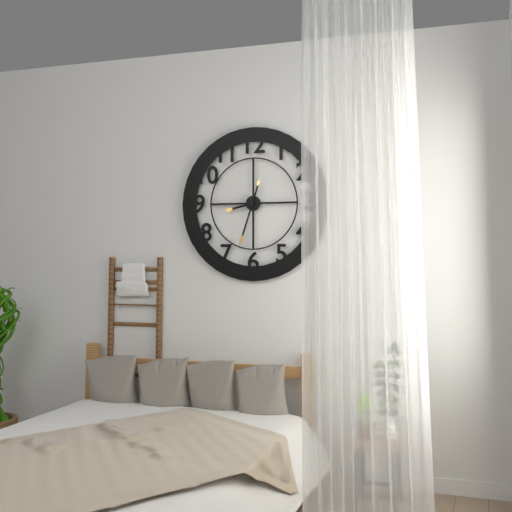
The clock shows 8:33
